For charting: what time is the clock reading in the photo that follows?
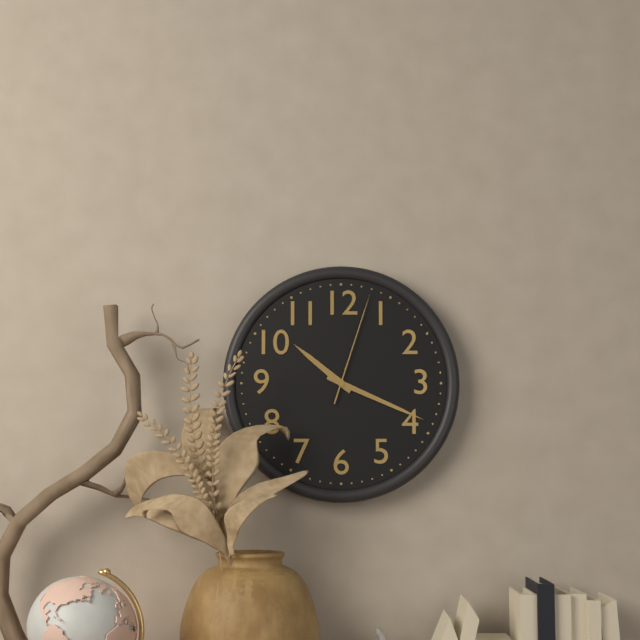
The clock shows 10:19:03
